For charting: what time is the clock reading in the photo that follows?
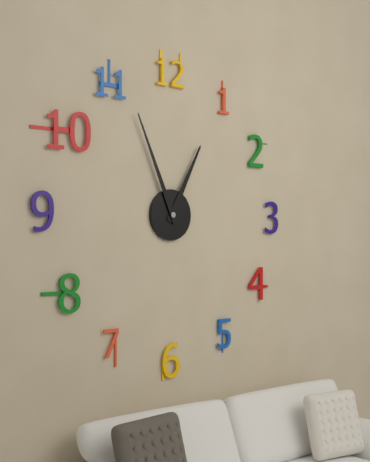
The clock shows 12:56
